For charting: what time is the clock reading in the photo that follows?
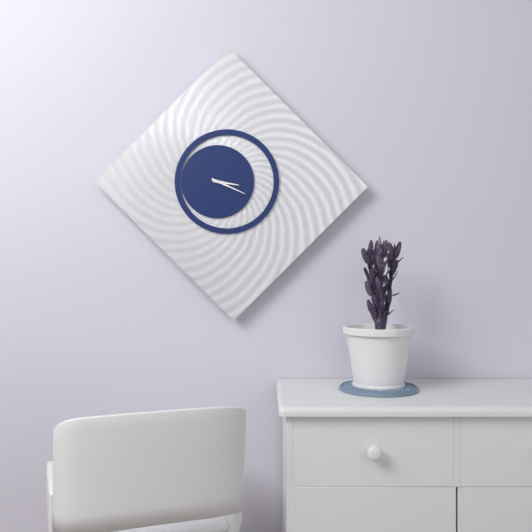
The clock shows 3:19
